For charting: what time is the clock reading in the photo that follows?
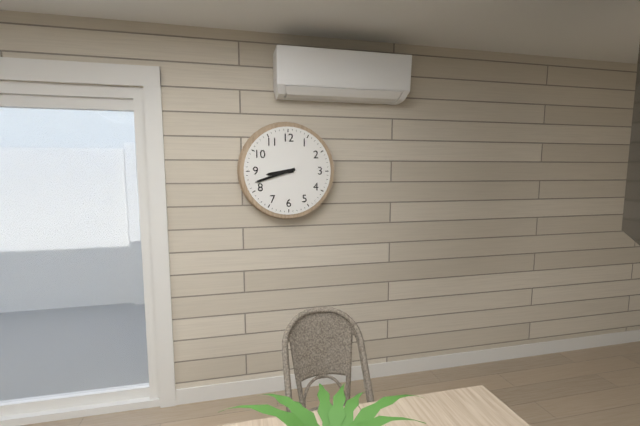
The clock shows 8:42
